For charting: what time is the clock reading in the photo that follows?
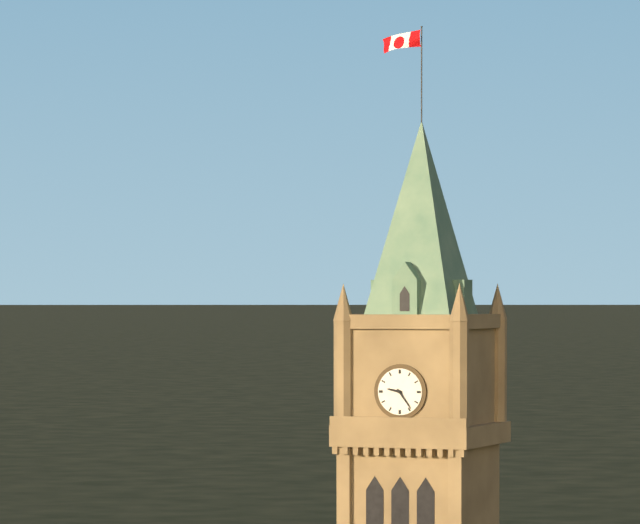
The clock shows 9:24
